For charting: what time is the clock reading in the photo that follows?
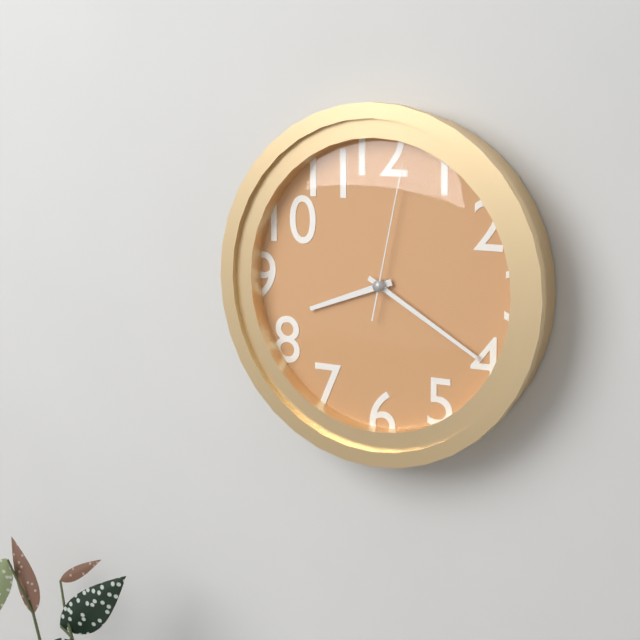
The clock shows 8:20:02
